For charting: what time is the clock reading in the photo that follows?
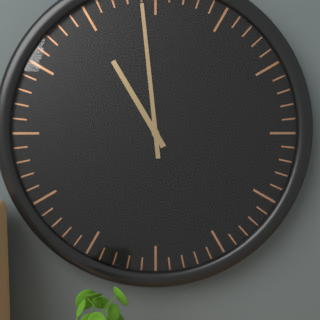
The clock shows 10:59
